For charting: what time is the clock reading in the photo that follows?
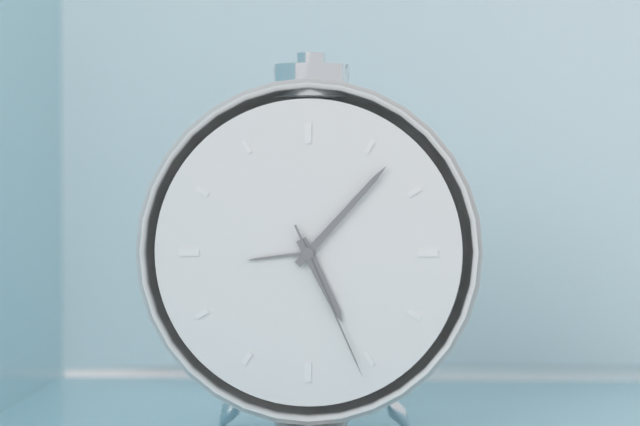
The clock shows 5:07:26
